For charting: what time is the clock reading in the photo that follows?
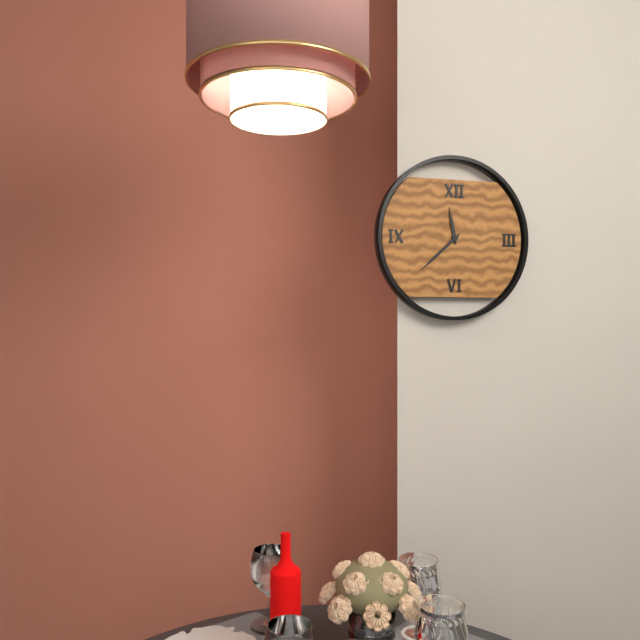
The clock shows 11:38
